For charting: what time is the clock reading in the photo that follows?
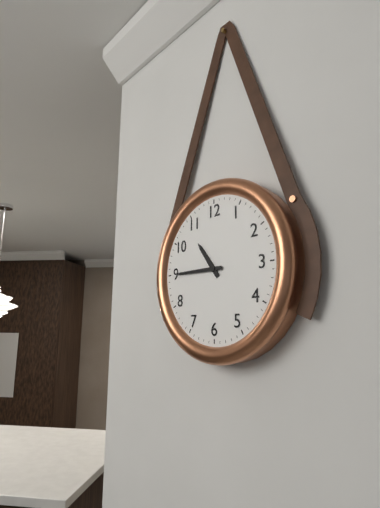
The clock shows 10:45
